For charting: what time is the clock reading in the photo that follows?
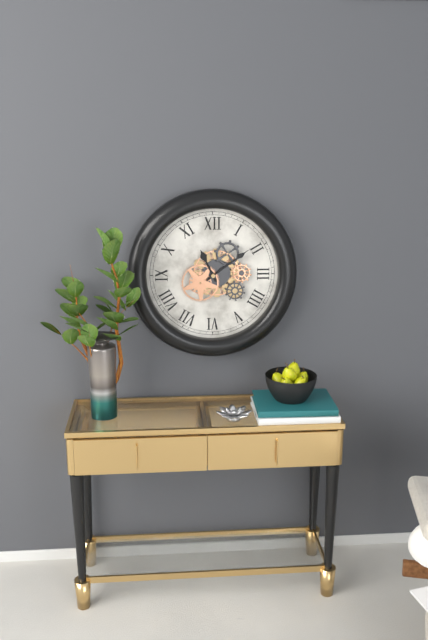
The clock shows 11:09
